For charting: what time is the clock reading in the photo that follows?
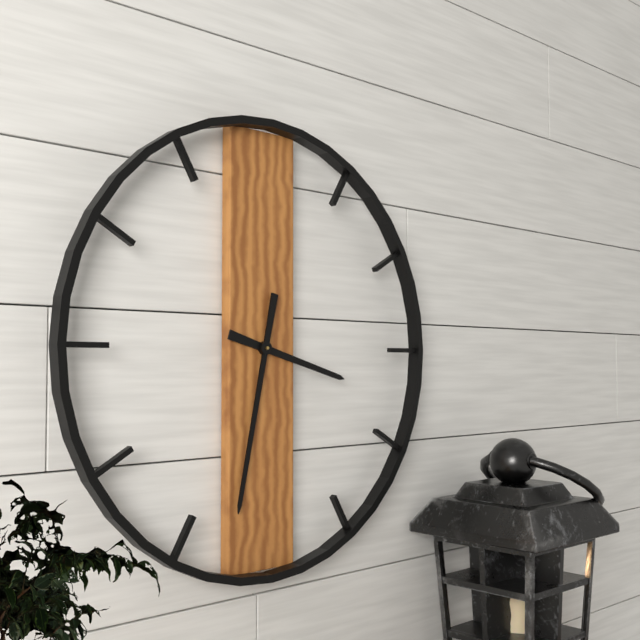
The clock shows 3:32
